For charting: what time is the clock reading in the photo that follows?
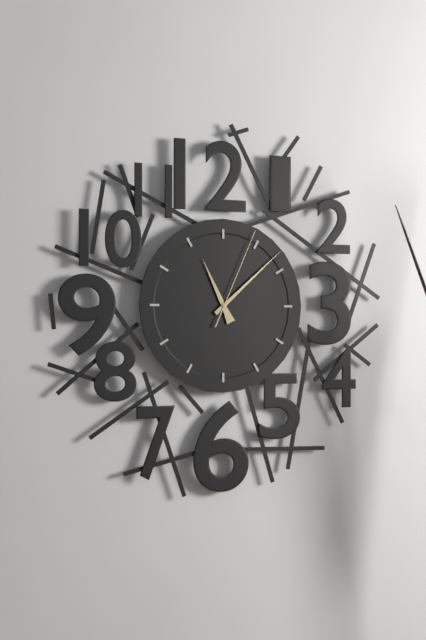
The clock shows 11:08:04
